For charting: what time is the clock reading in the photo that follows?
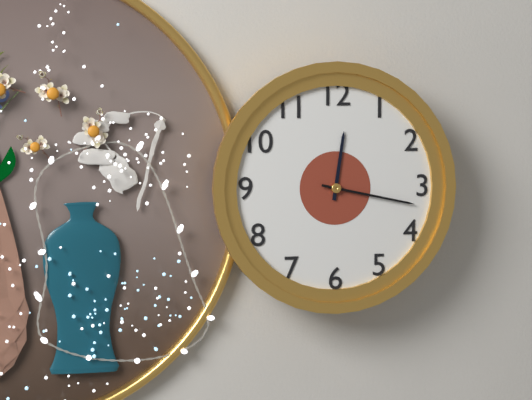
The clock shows 12:17
